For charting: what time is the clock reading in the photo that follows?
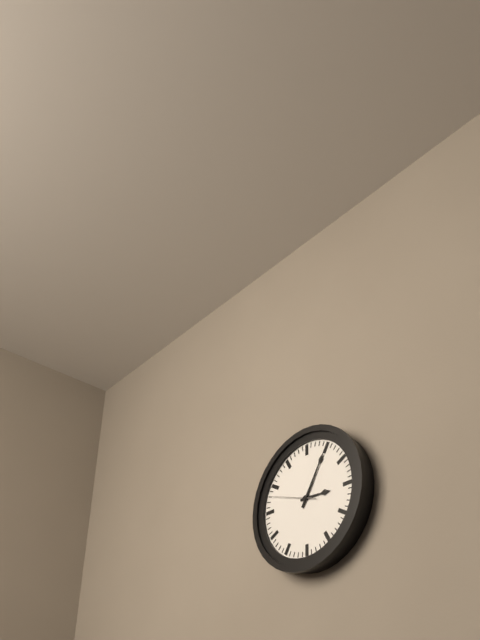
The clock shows 3:05
